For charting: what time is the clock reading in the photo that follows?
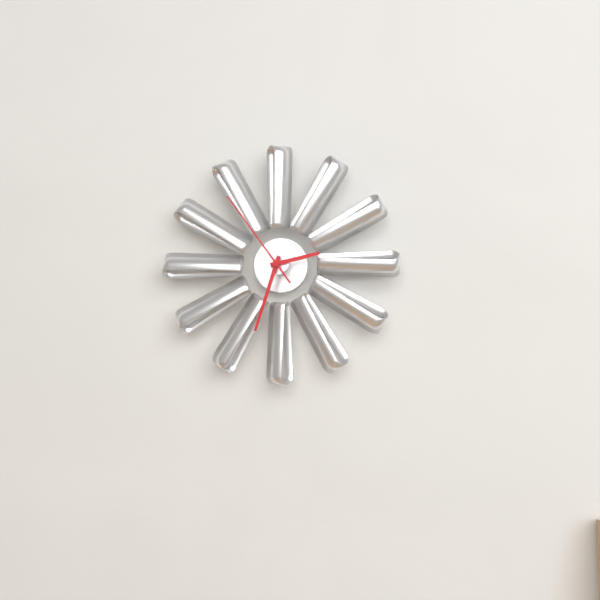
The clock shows 2:33:54
